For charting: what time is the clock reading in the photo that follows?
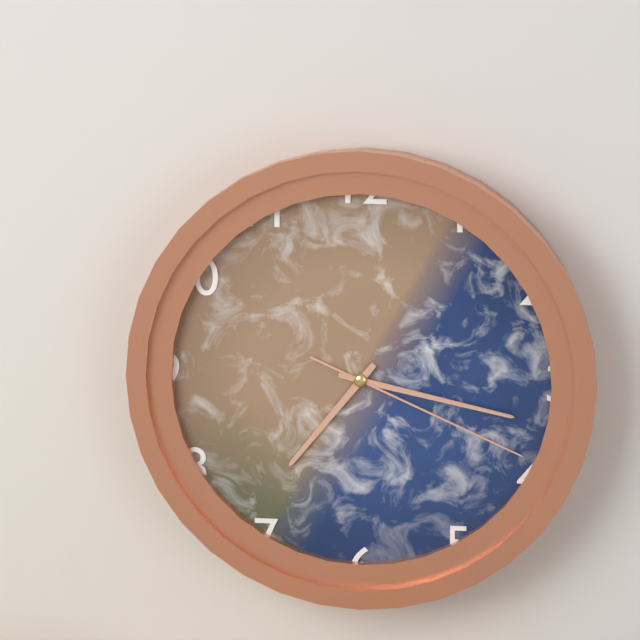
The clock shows 7:17:19
